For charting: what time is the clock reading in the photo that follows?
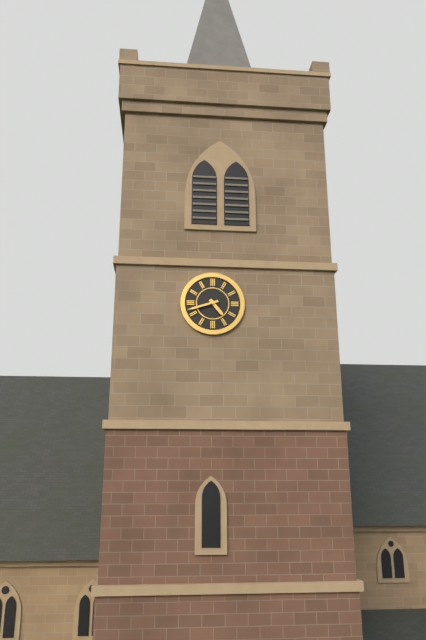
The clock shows 4:42
